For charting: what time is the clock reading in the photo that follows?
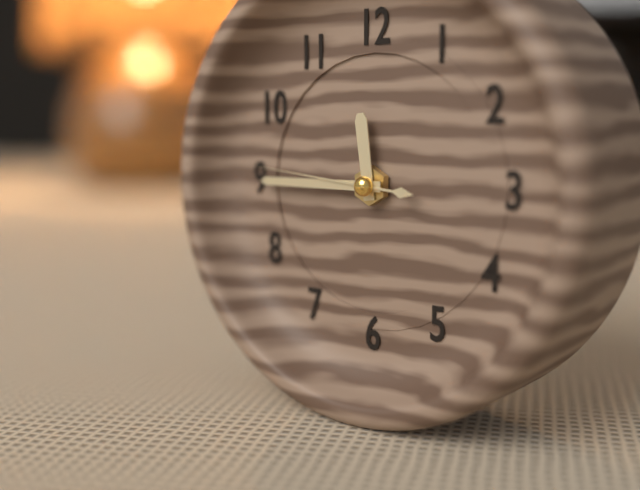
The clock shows 11:45:46
